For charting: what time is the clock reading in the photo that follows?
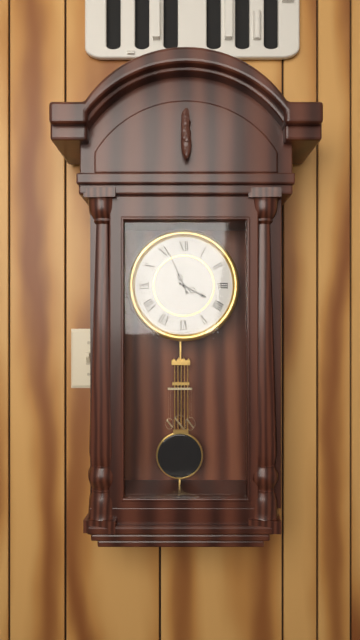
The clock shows 3:56
